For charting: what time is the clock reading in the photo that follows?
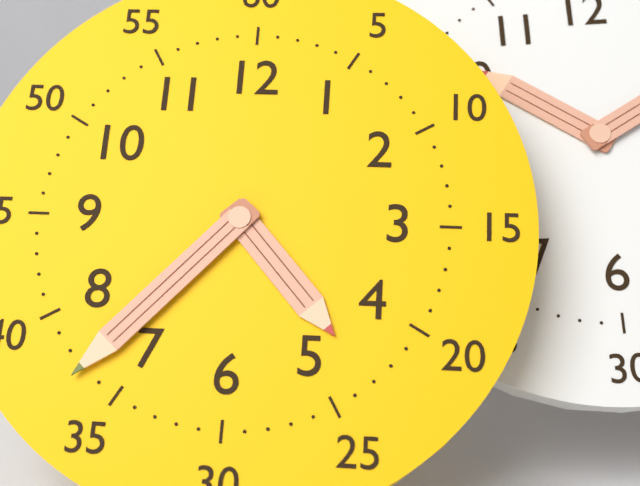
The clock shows 4:37
